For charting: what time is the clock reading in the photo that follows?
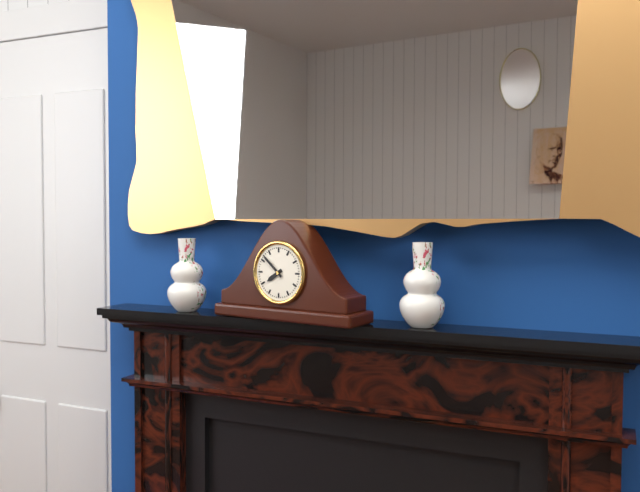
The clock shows 7:52
